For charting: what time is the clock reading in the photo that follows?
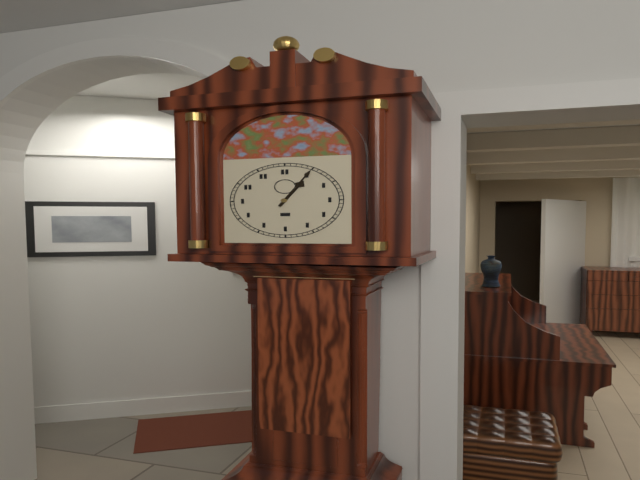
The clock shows 1:05
